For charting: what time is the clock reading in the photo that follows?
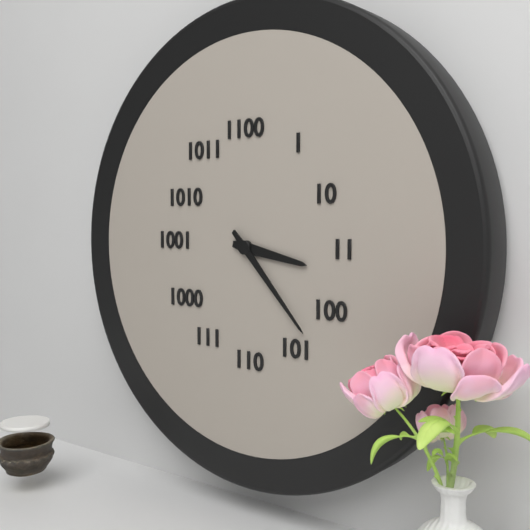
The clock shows 3:23
